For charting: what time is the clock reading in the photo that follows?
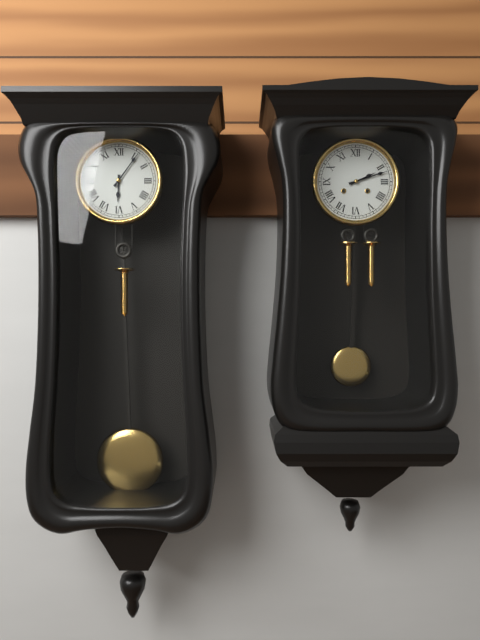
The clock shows 6:06
